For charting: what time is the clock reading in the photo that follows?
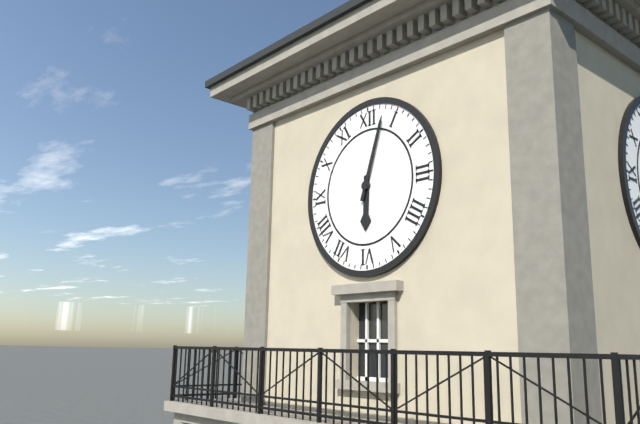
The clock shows 6:03
